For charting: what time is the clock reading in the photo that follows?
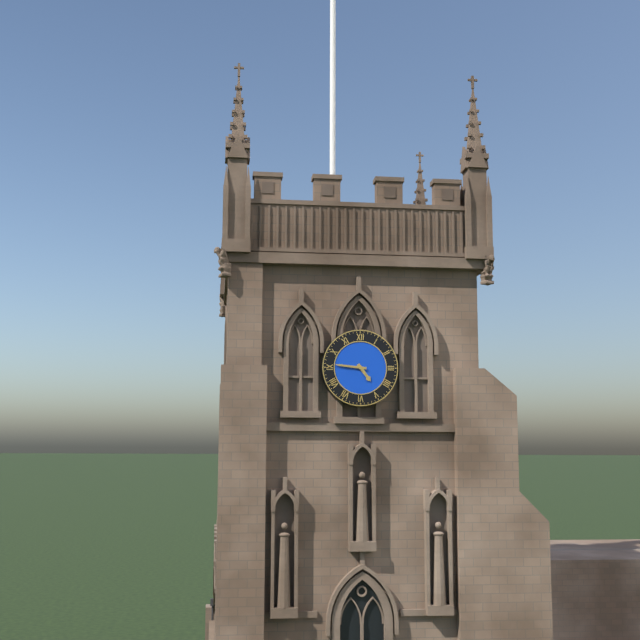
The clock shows 4:46
